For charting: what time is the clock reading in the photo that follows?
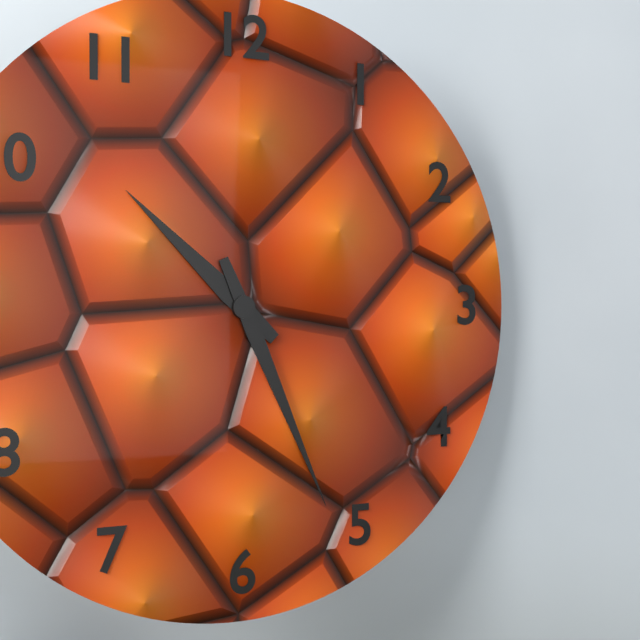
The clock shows 10:26
